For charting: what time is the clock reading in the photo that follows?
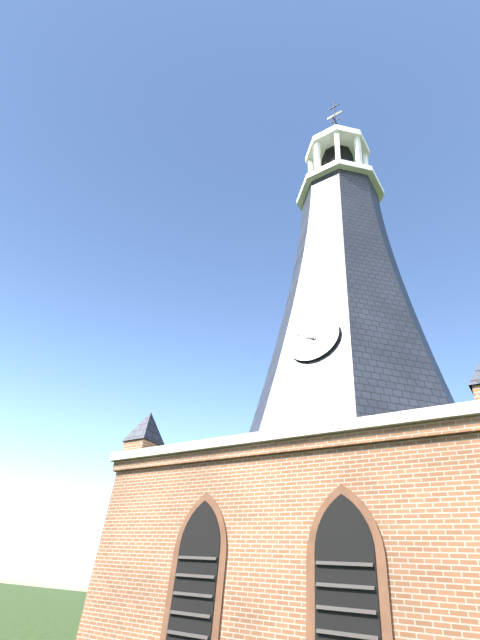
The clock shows 9:50
